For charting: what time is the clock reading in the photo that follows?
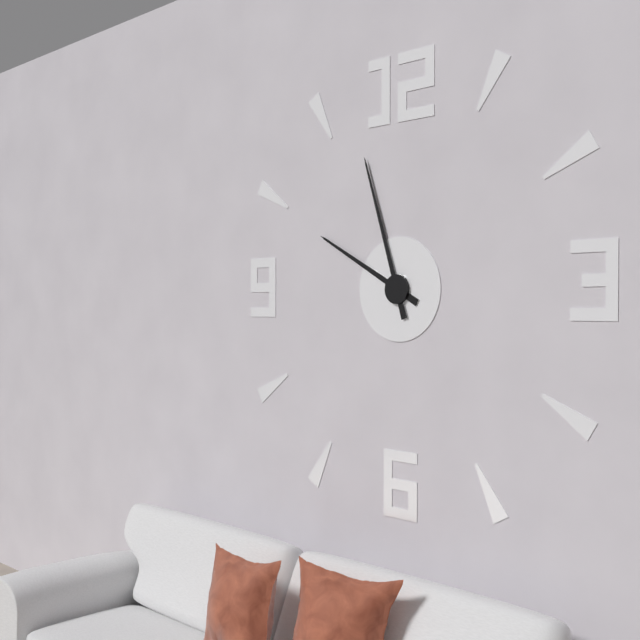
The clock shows 9:57
